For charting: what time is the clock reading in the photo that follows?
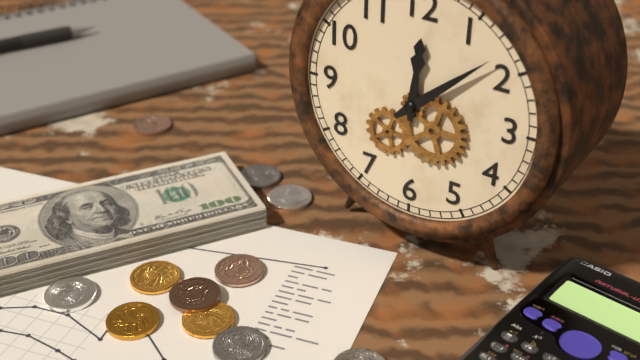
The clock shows 12:08
